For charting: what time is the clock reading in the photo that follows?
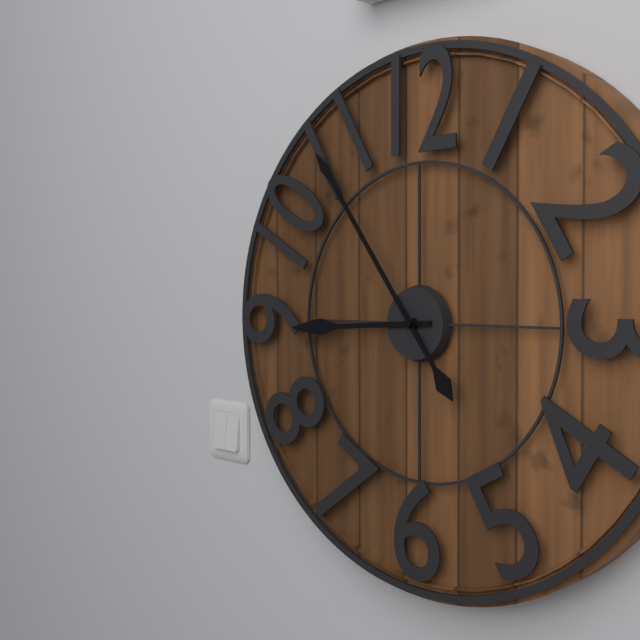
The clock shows 8:54
